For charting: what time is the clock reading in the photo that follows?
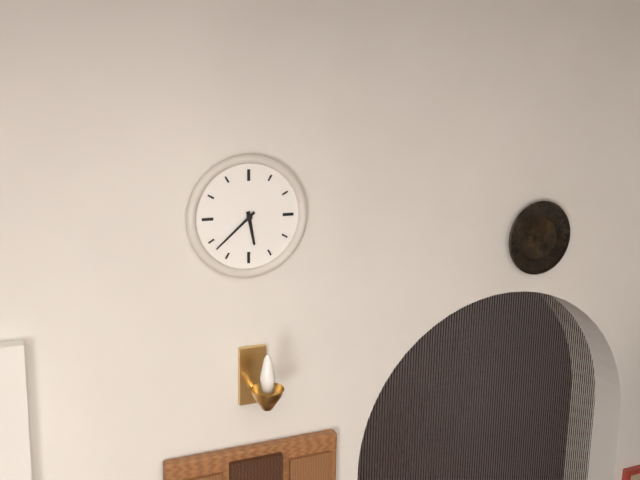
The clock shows 5:38
